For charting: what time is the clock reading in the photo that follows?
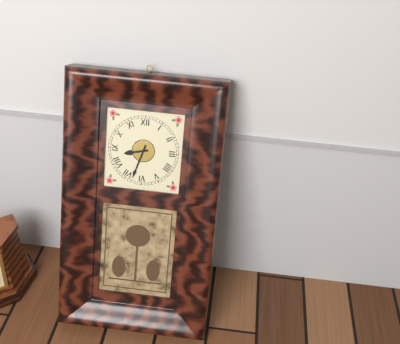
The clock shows 8:33
